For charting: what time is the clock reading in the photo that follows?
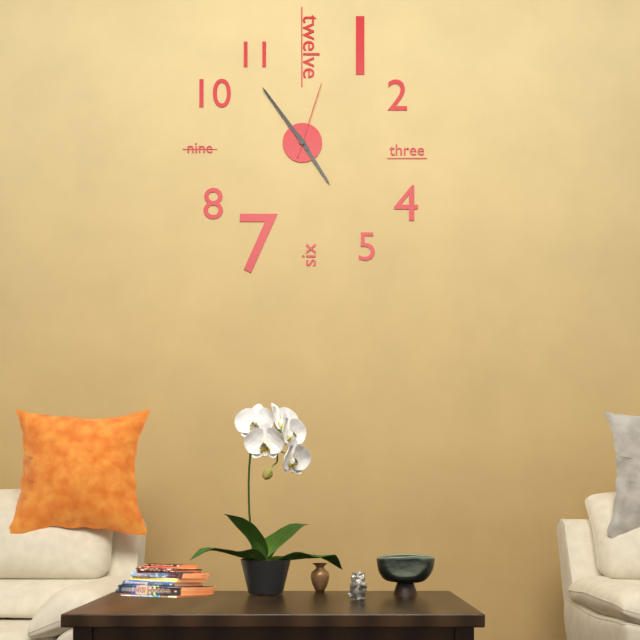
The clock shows 4:54:03
